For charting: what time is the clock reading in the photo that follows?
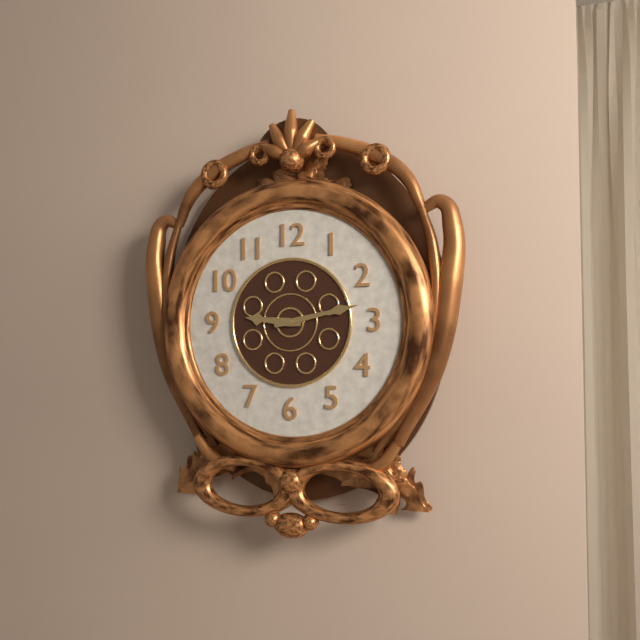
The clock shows 9:13
